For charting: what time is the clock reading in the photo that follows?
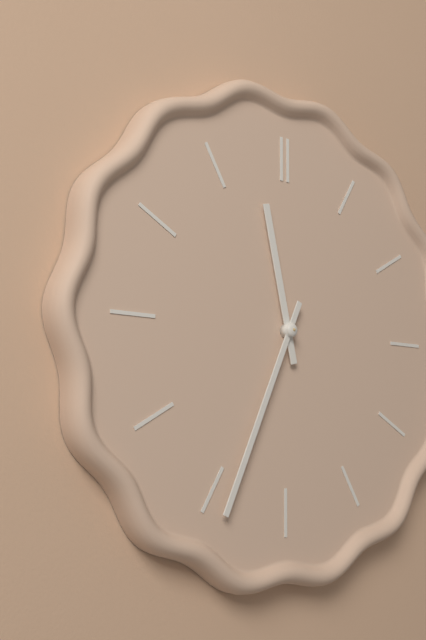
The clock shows 11:34
